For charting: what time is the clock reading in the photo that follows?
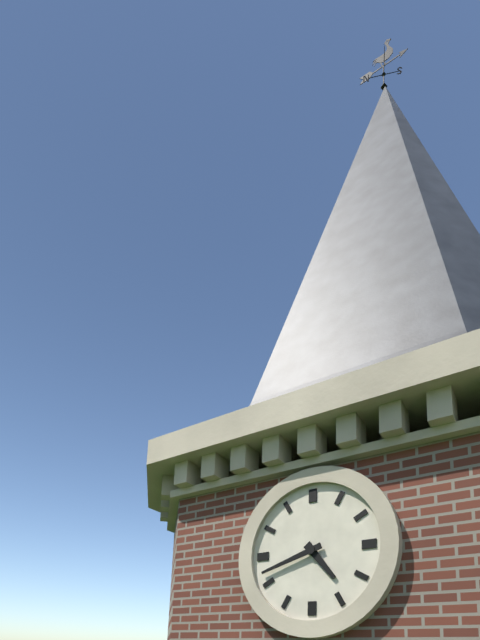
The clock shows 4:42
